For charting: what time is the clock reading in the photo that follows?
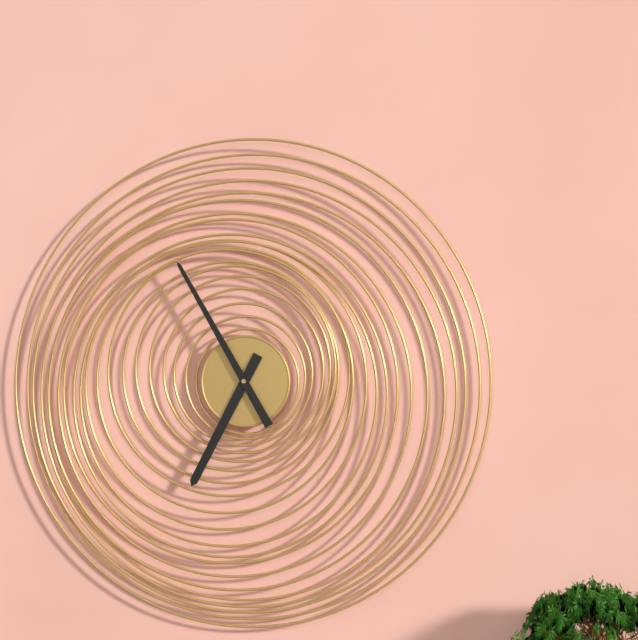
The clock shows 6:55
